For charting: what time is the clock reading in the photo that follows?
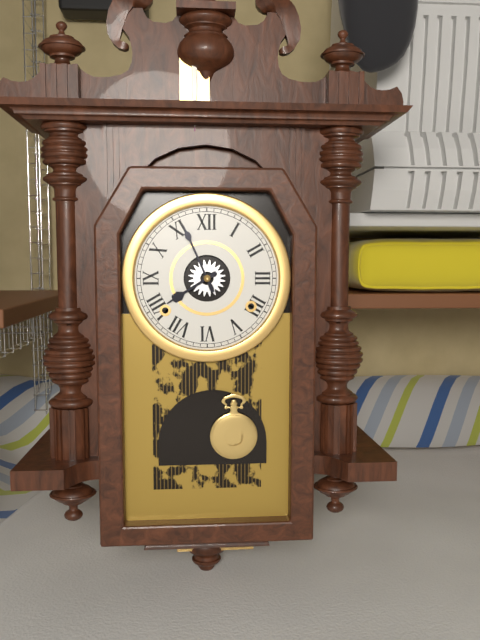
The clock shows 7:56
